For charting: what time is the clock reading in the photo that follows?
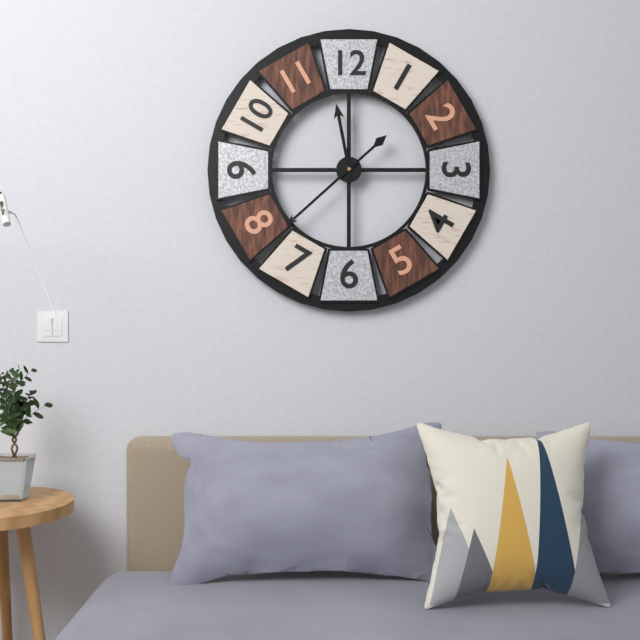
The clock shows 11:38
